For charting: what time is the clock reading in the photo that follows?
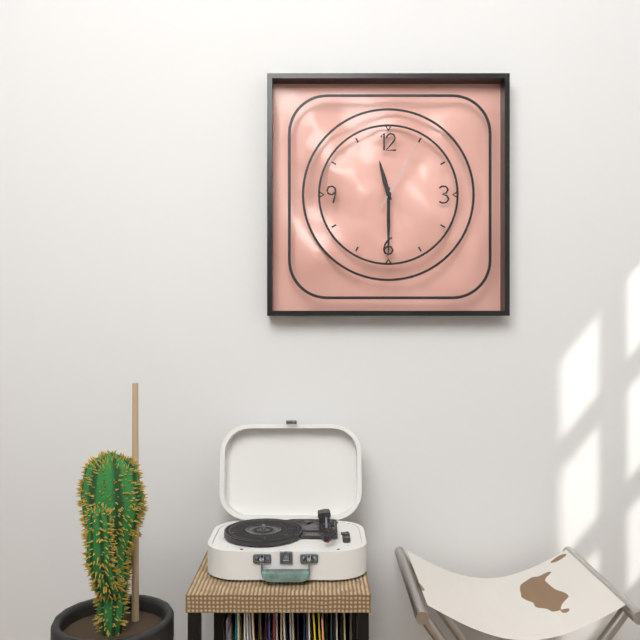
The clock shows 11:30:05
